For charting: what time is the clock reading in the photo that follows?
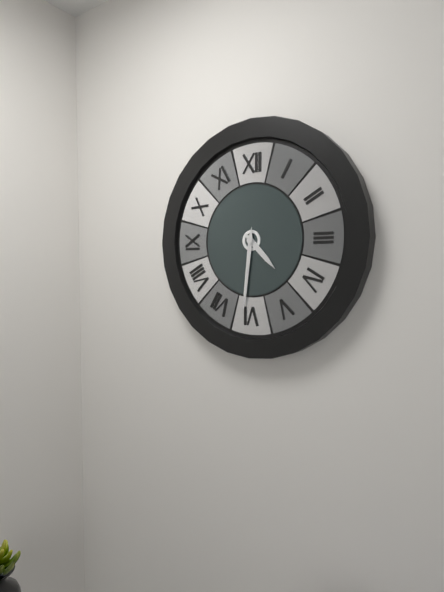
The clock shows 4:31
